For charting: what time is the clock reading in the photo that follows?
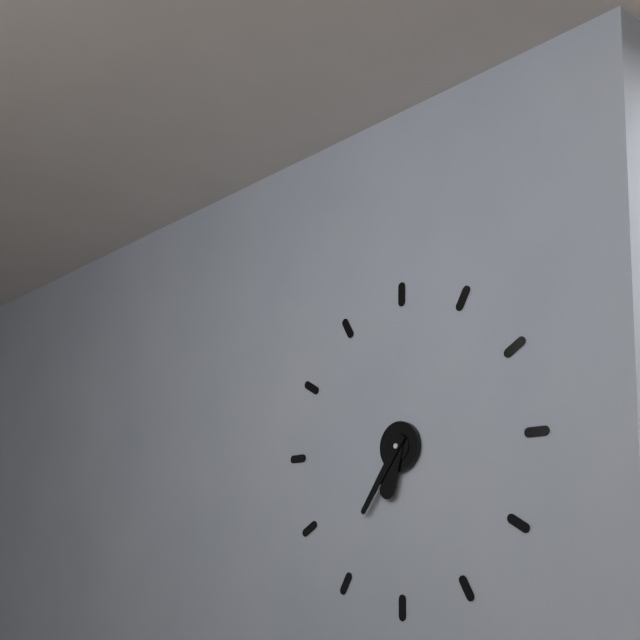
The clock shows 6:36
